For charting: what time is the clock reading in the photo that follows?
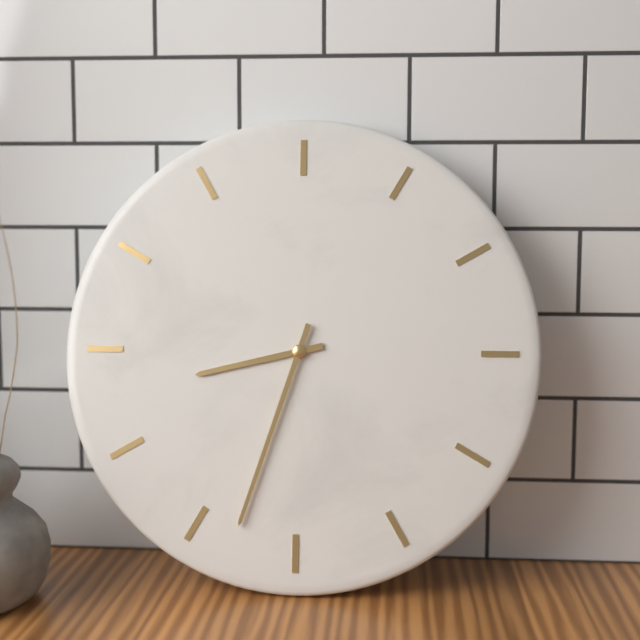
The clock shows 8:33
